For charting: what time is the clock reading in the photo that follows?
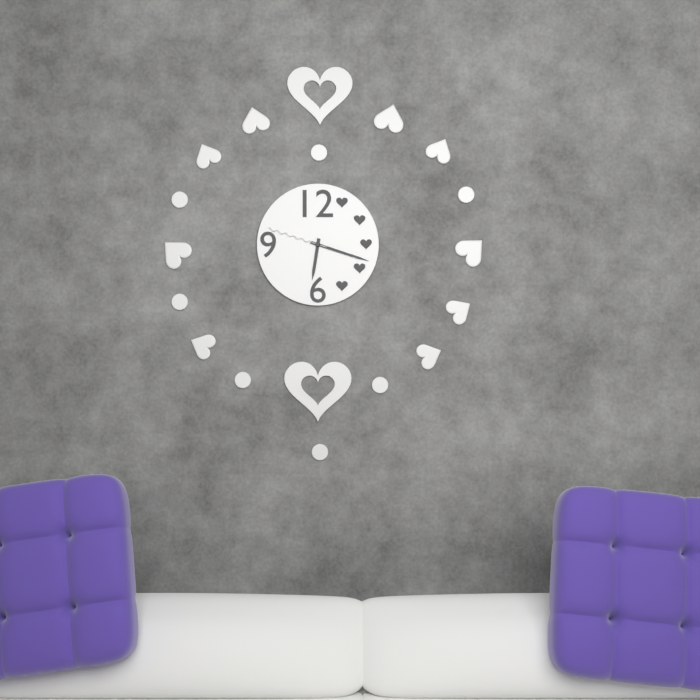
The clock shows 6:18:48
